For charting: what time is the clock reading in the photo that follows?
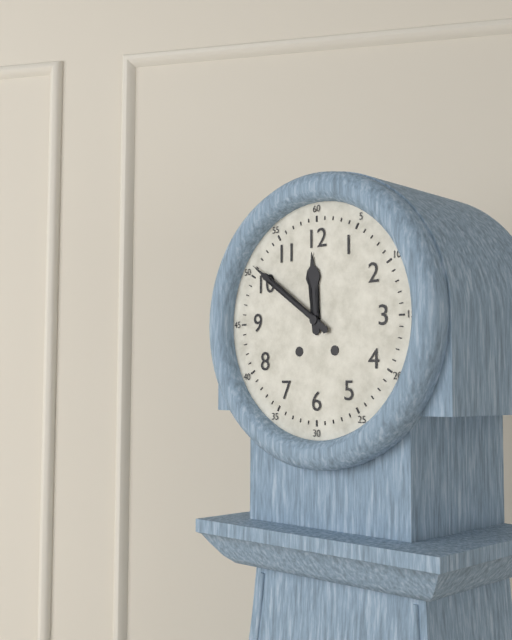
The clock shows 11:51
